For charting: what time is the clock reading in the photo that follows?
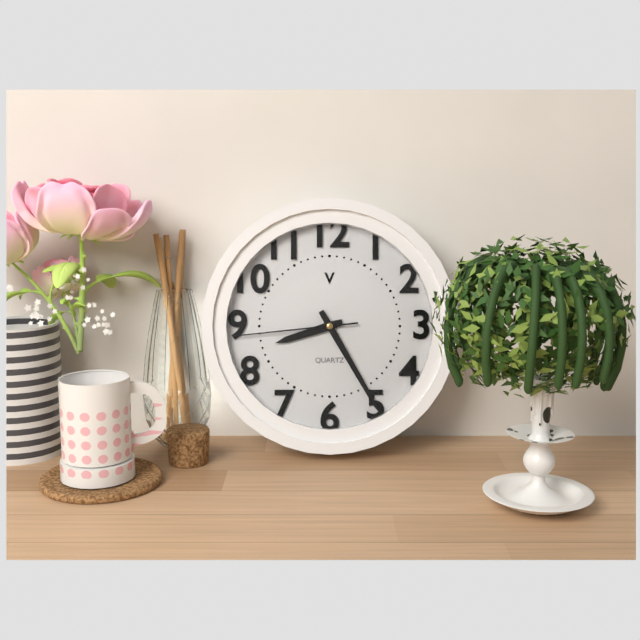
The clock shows 8:25:44
